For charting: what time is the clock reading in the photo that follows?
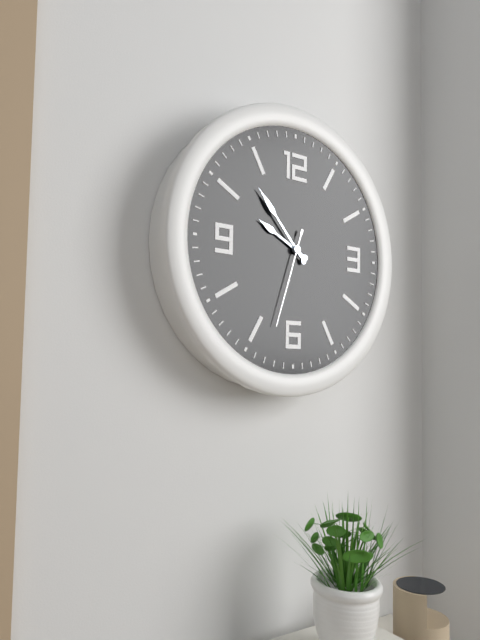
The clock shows 9:53:33
